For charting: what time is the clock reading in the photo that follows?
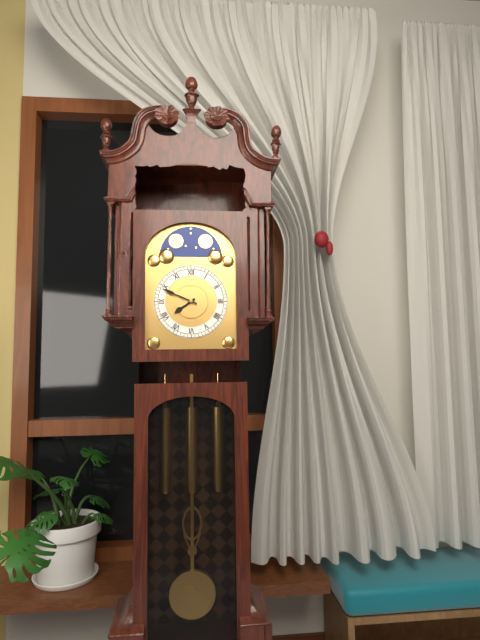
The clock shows 7:49
